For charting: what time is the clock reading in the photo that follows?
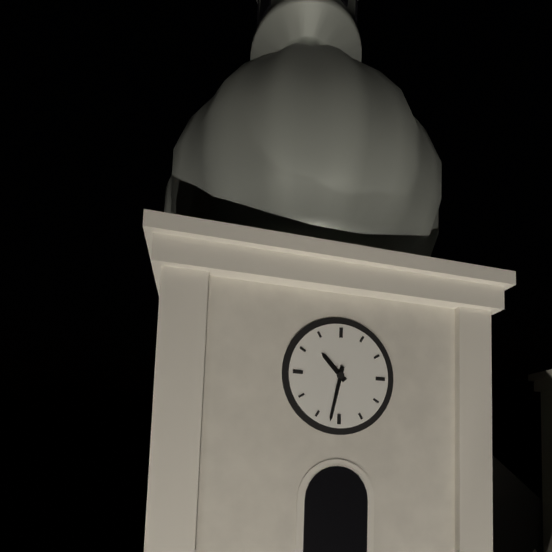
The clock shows 10:32
